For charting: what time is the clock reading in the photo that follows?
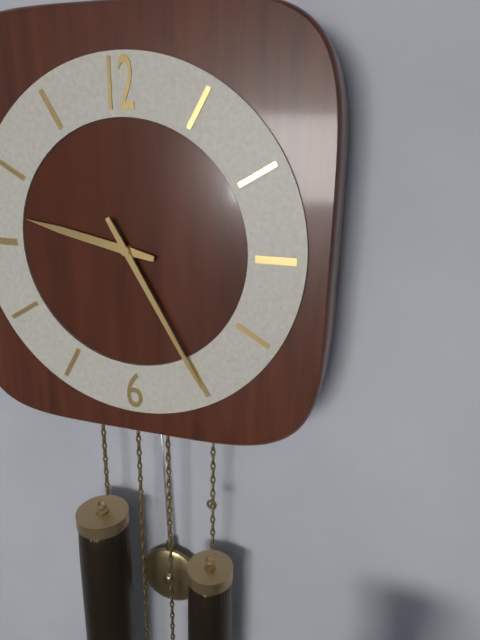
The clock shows 9:25
